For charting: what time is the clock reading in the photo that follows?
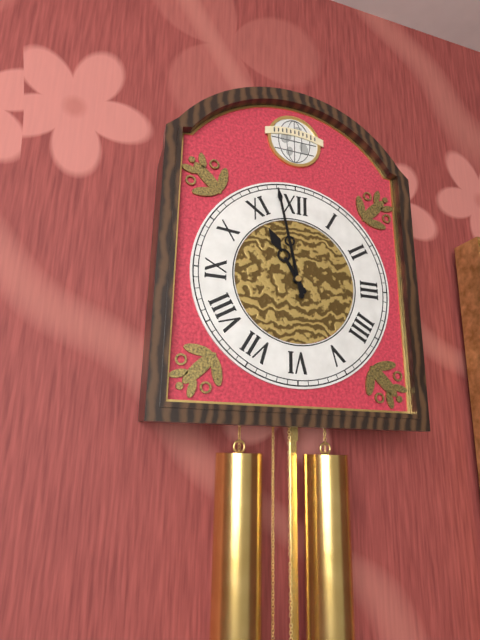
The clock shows 10:58
